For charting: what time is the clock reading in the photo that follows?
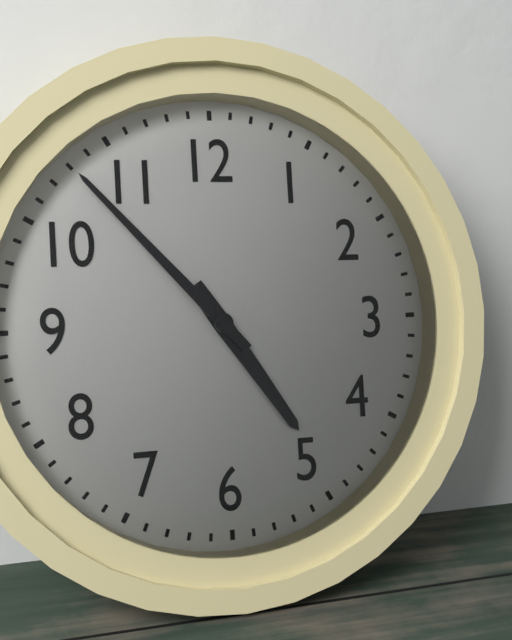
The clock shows 4:53
